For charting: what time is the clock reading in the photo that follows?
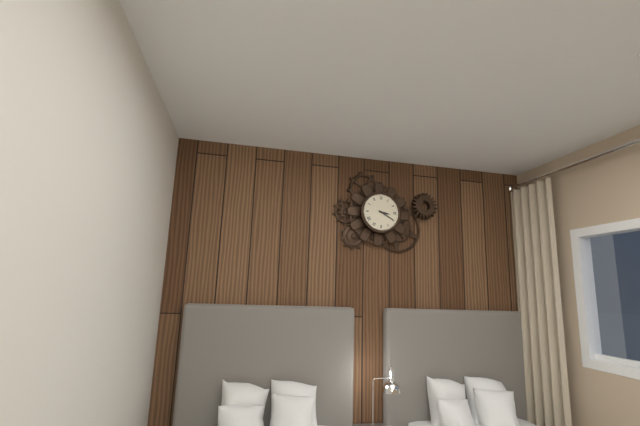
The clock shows 3:20
